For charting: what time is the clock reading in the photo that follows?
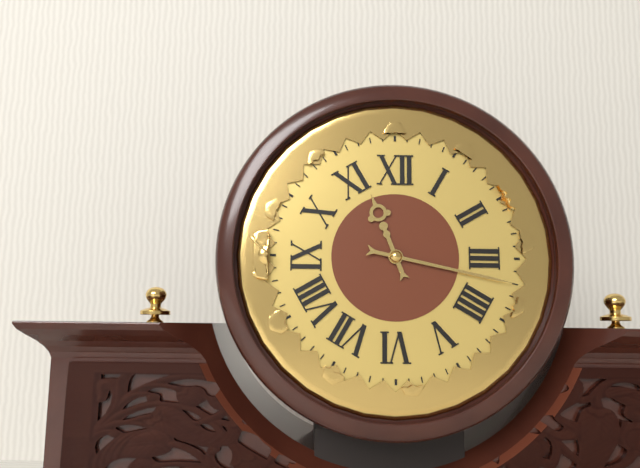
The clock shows 11:17
